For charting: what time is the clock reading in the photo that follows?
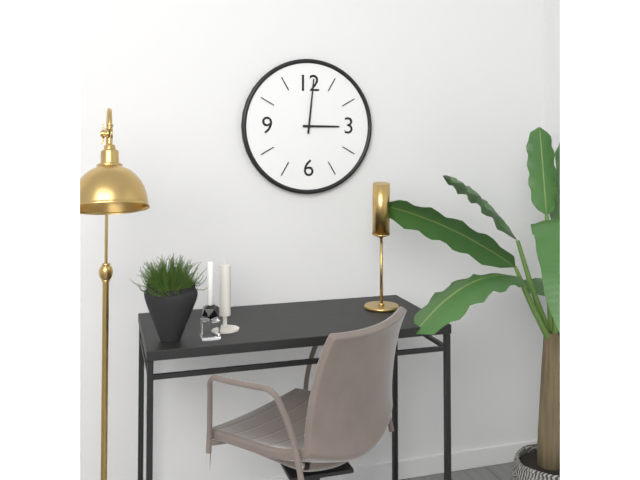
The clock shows 3:01
